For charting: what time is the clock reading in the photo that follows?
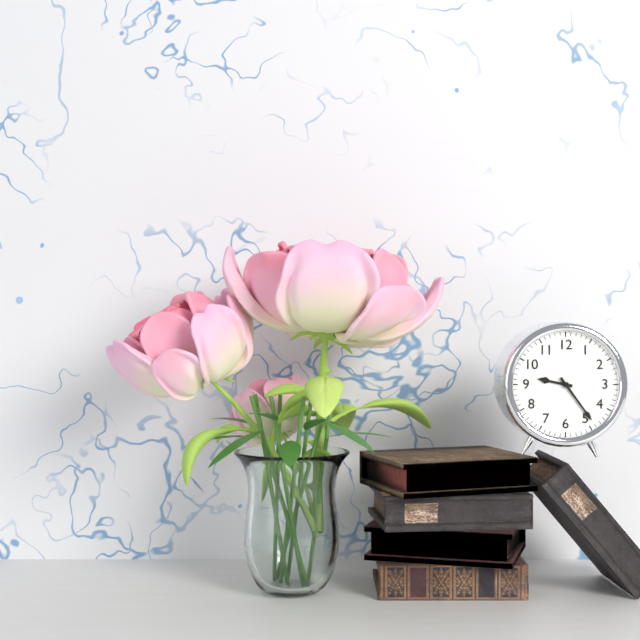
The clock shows 9:24
